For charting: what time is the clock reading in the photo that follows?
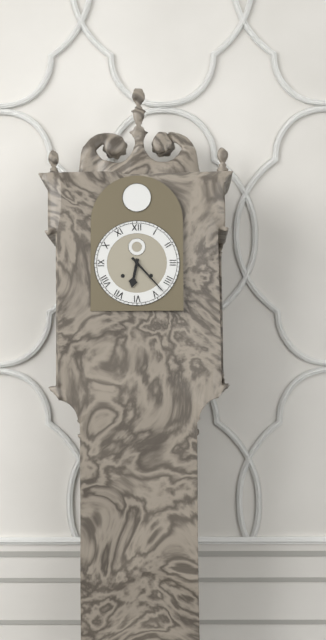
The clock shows 6:23
